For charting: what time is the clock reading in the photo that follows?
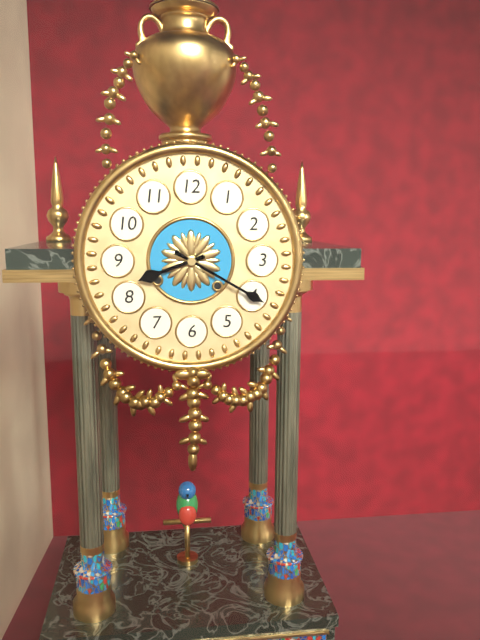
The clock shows 8:20
